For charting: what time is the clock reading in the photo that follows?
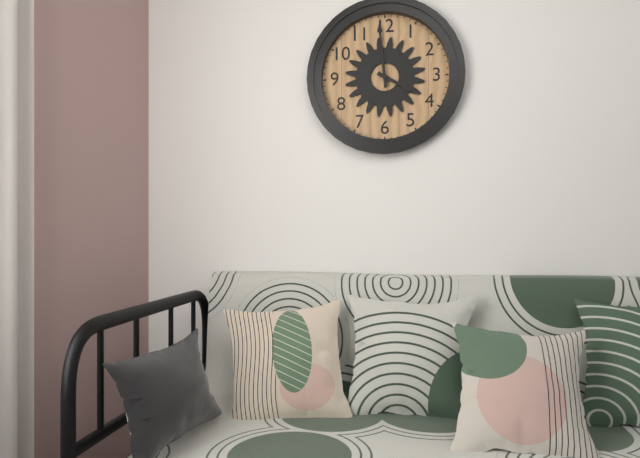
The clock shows 3:59
